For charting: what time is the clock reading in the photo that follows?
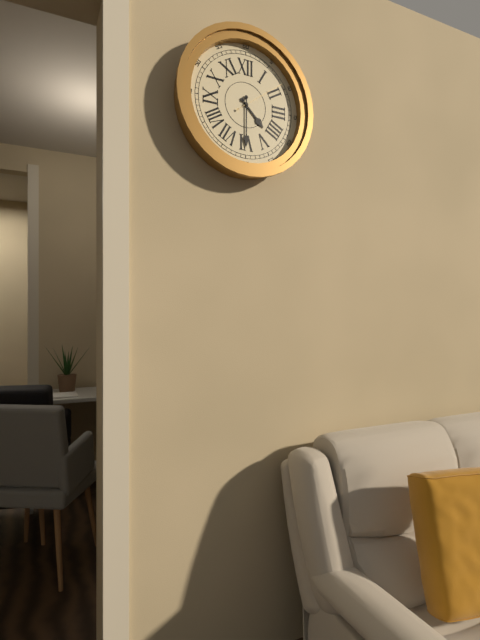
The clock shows 4:30:09
